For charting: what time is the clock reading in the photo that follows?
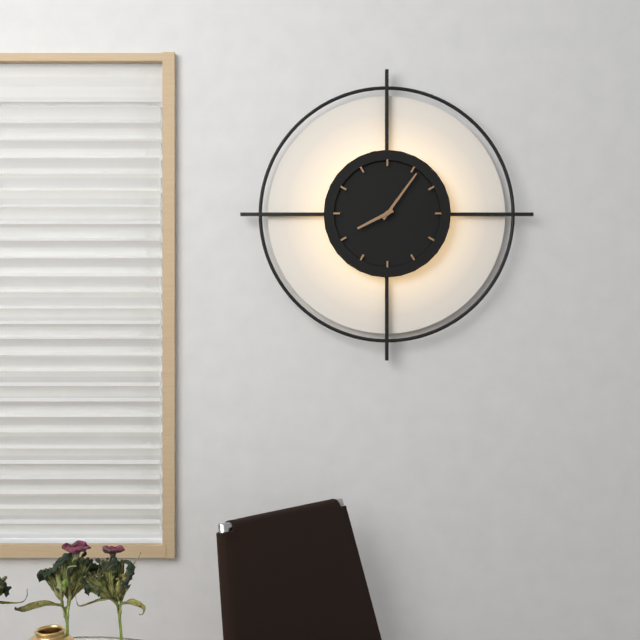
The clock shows 8:06
